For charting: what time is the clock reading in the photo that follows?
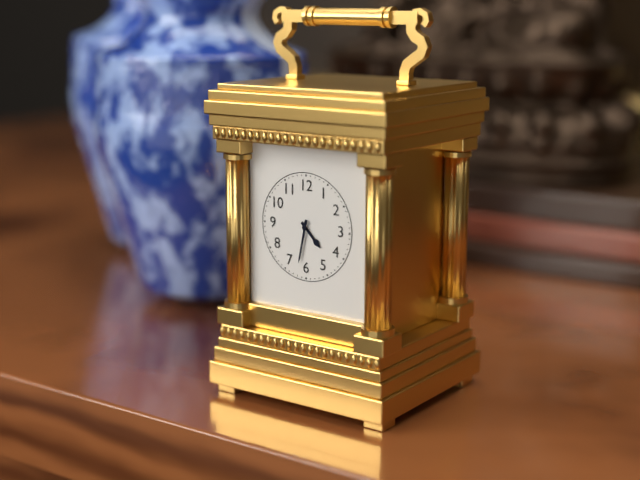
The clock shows 4:32
